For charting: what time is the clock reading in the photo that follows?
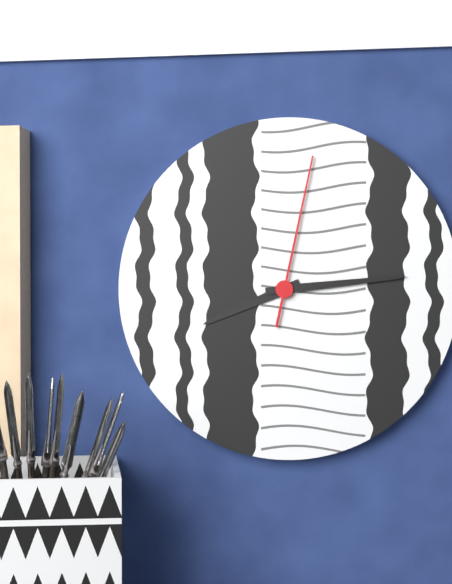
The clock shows 8:14:02
